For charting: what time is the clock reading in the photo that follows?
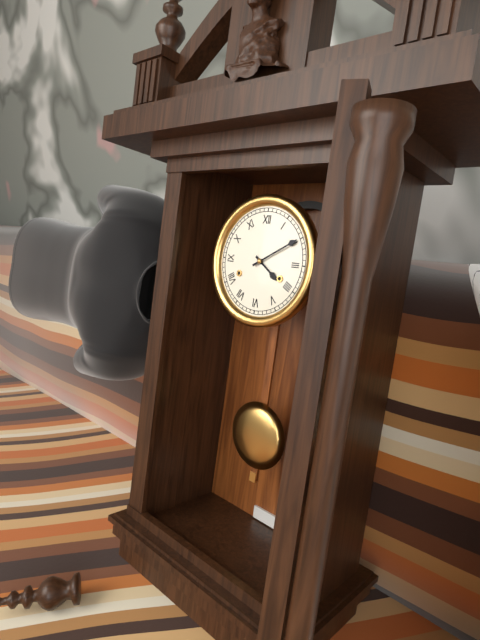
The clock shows 4:10
